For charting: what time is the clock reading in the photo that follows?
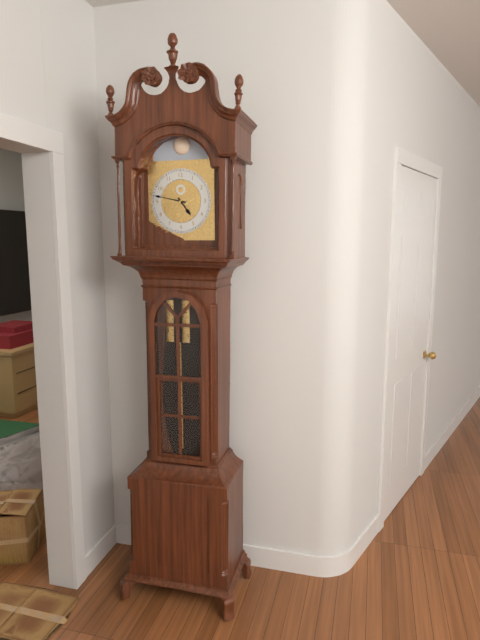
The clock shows 4:47
